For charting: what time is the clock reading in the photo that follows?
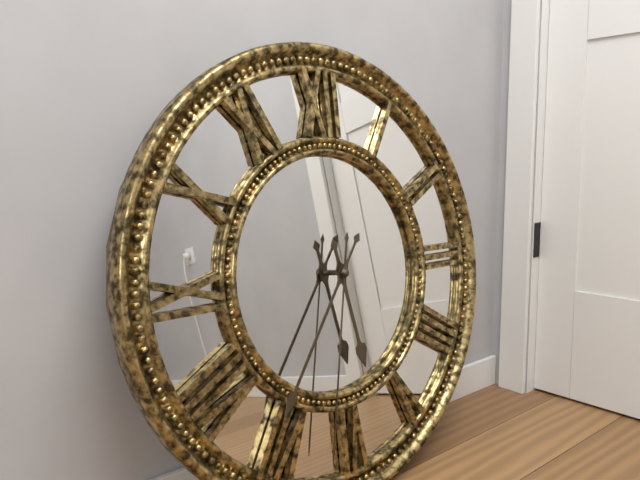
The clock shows 5:36:32
